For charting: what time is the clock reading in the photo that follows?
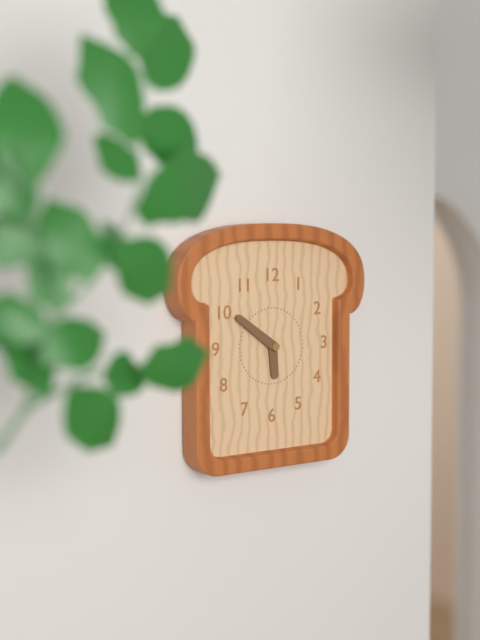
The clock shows 5:51
